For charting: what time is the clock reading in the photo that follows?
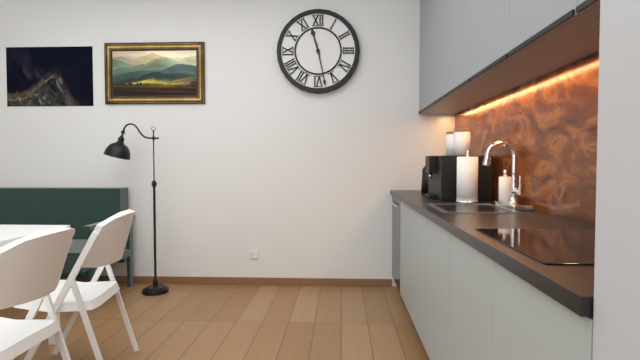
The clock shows 11:28
